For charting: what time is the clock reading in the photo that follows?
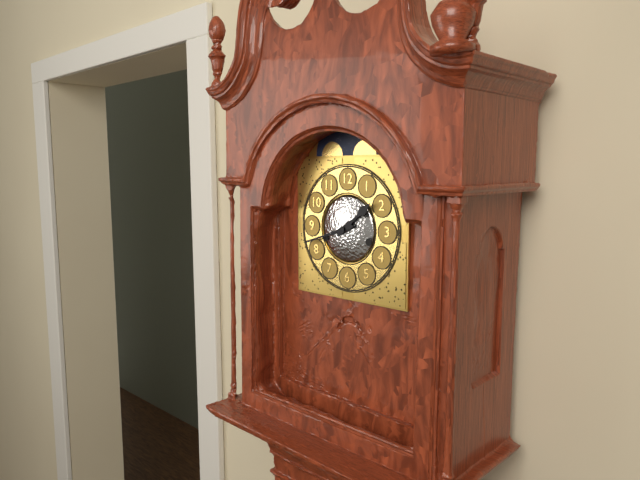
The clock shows 1:42
